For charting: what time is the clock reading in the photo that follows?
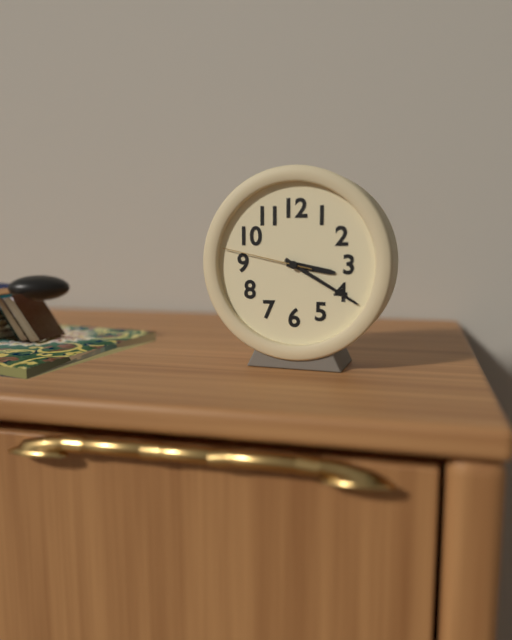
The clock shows 3:20:47
